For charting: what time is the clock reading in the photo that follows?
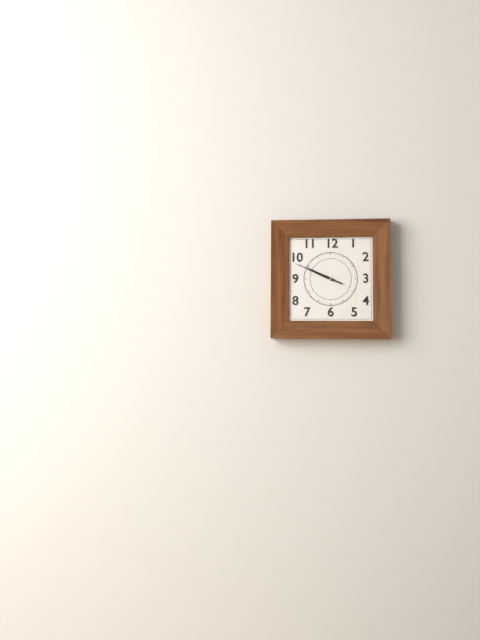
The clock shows 9:49
